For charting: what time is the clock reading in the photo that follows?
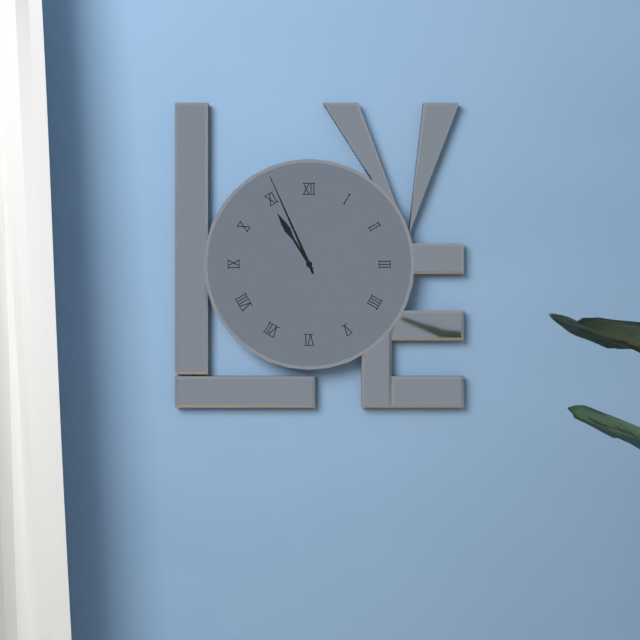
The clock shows 10:56
